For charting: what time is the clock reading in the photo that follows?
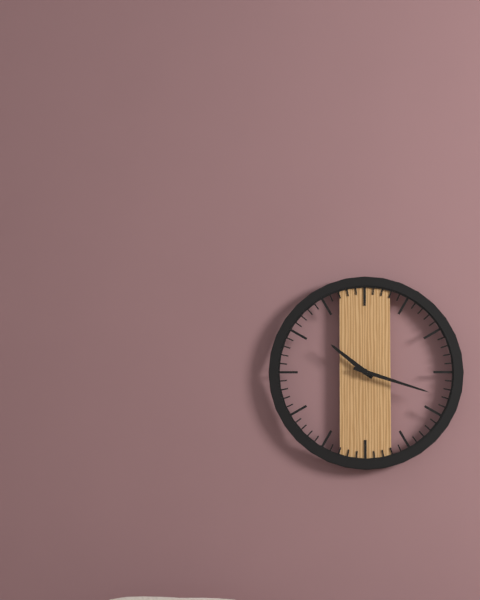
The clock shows 10:18
